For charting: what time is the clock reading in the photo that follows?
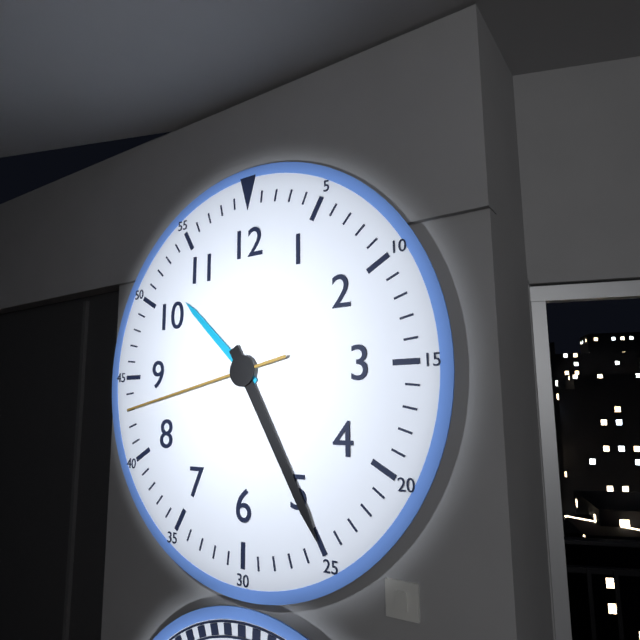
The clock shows 10:25:43
